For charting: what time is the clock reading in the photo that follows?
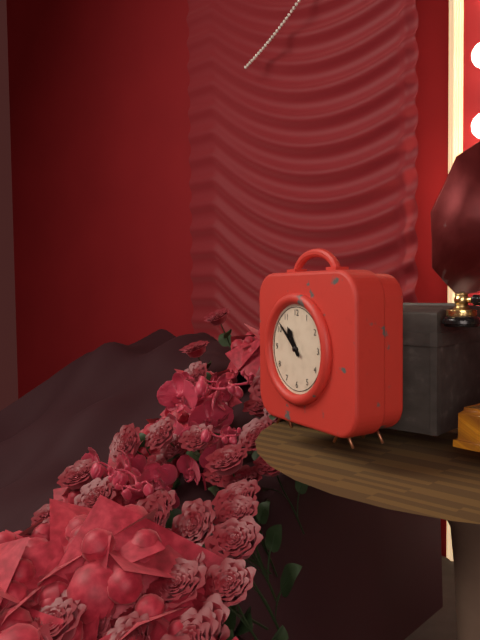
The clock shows 10:52
